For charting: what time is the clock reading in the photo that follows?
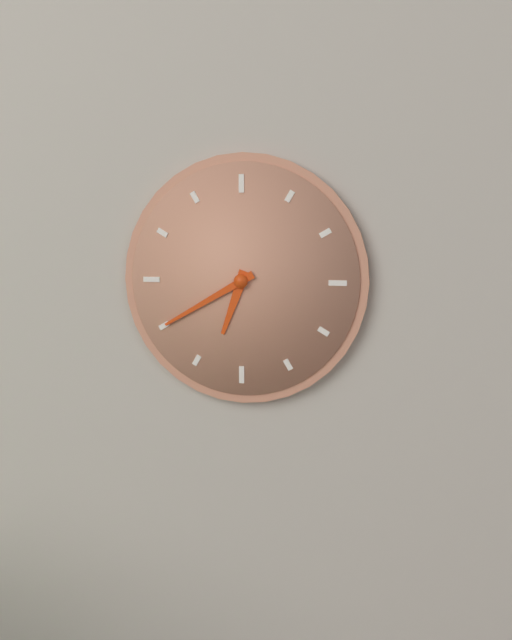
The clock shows 6:40
